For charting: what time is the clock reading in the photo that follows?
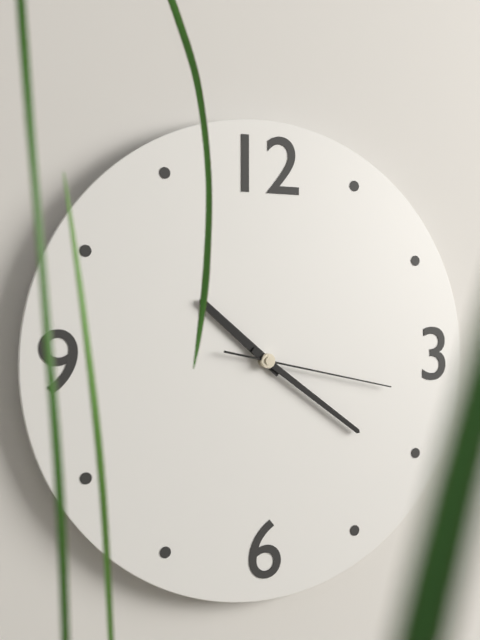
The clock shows 10:21:17
